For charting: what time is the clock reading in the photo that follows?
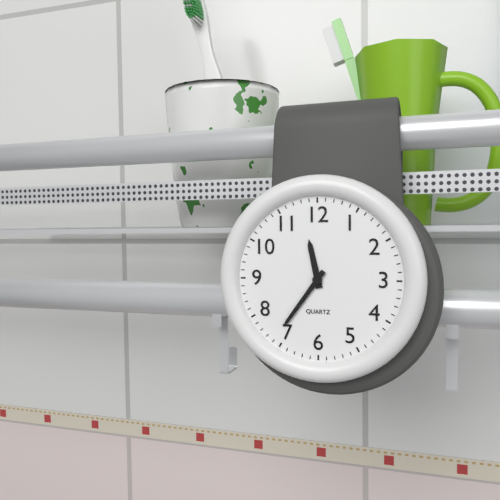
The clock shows 11:36
